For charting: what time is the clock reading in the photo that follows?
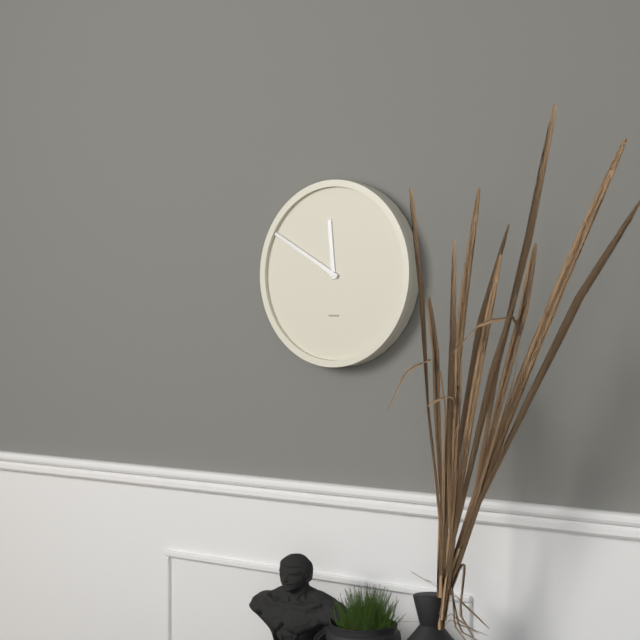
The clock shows 11:50
